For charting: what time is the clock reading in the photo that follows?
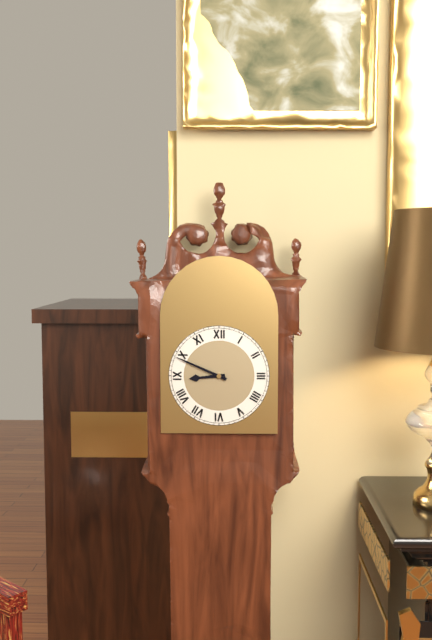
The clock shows 8:49
